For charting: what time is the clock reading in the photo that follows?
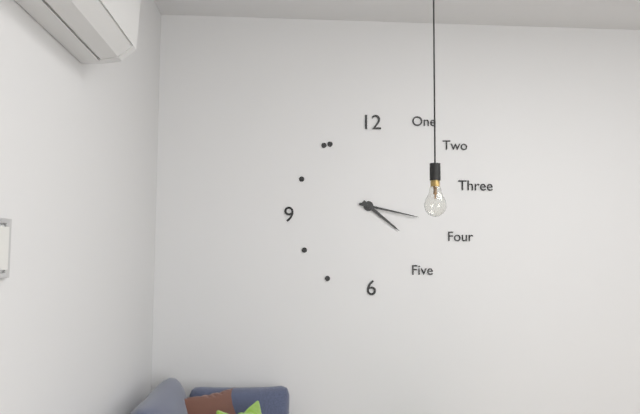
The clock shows 4:17
